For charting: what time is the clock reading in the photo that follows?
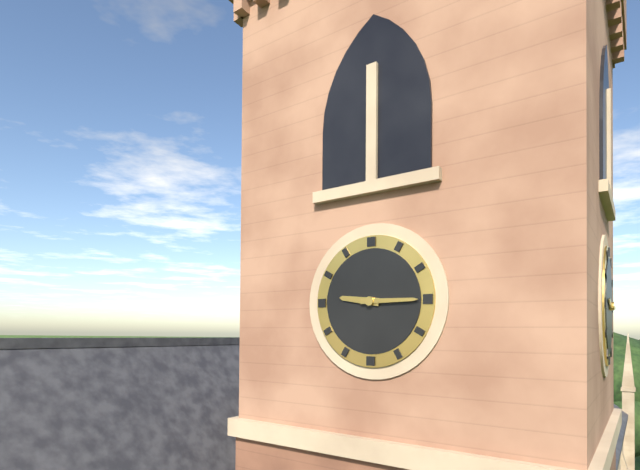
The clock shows 9:15
